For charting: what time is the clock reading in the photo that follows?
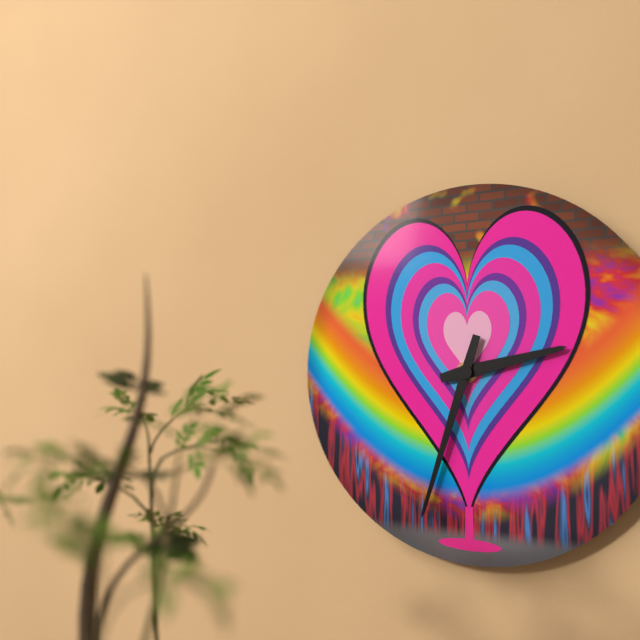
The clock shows 2:33
